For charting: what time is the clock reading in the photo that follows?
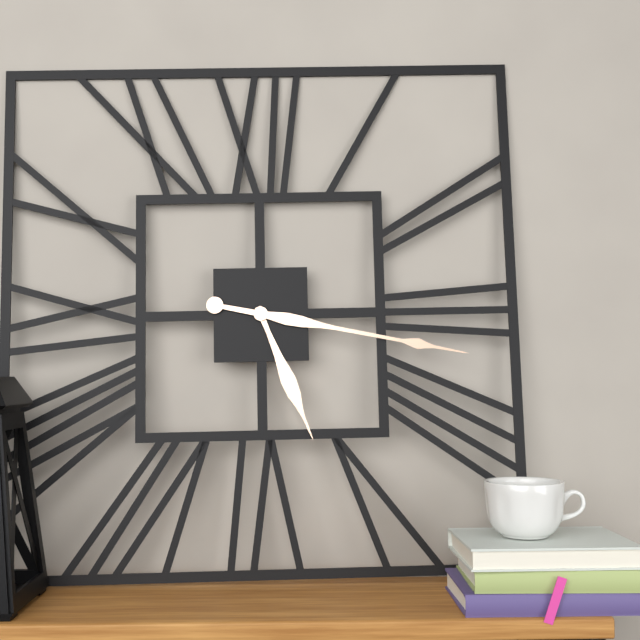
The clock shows 5:17
